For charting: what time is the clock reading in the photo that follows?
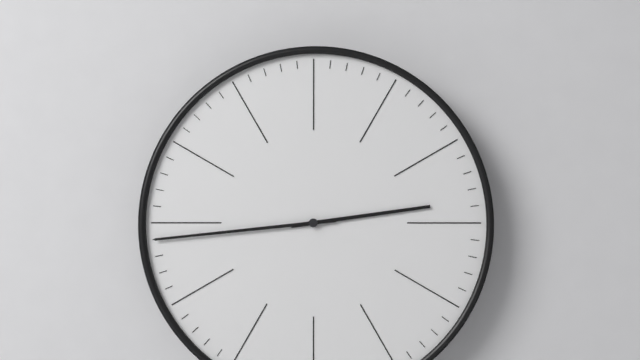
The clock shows 2:44
